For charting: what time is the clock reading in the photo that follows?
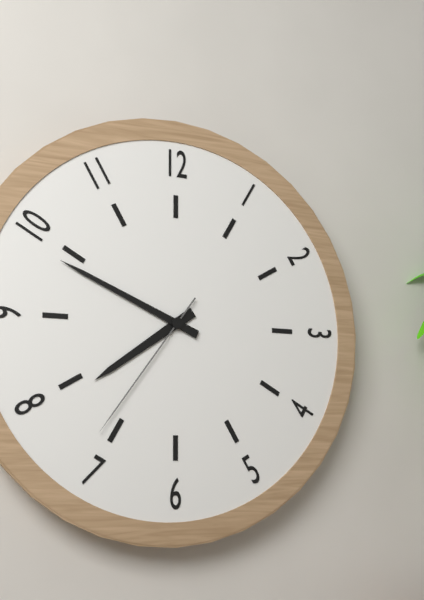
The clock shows 7:49:36
